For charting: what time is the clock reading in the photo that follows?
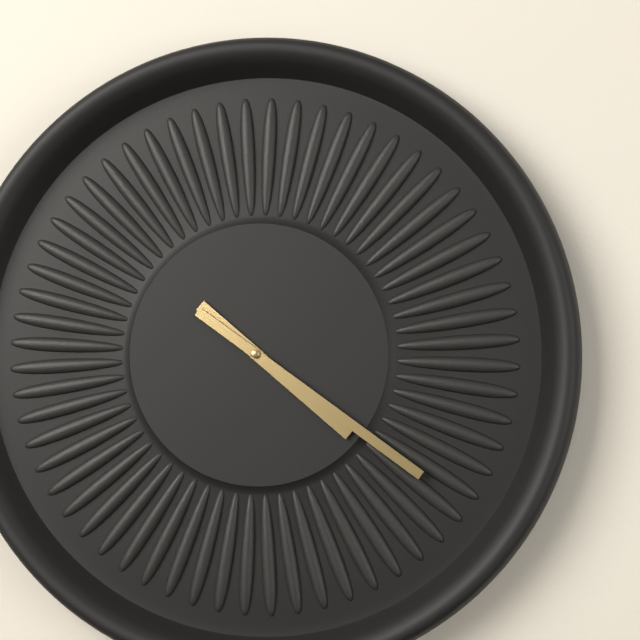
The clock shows 4:21
